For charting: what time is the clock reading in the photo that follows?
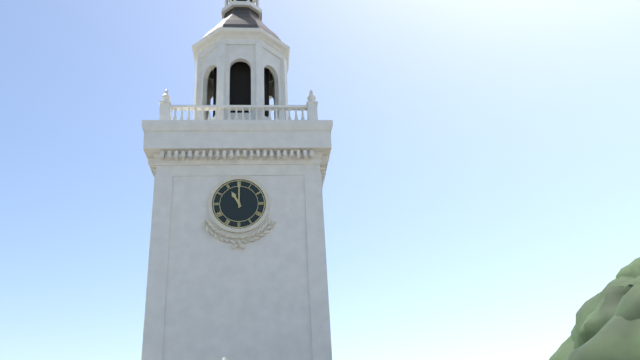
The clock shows 11:00
